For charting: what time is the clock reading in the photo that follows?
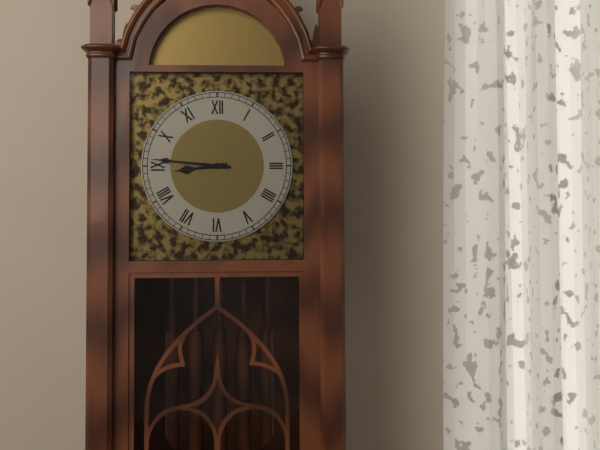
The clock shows 8:46
